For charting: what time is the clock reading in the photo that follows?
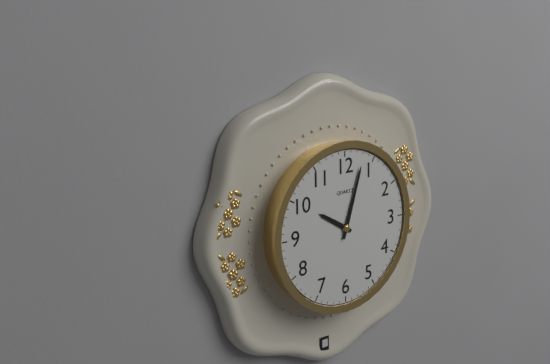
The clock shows 10:03
